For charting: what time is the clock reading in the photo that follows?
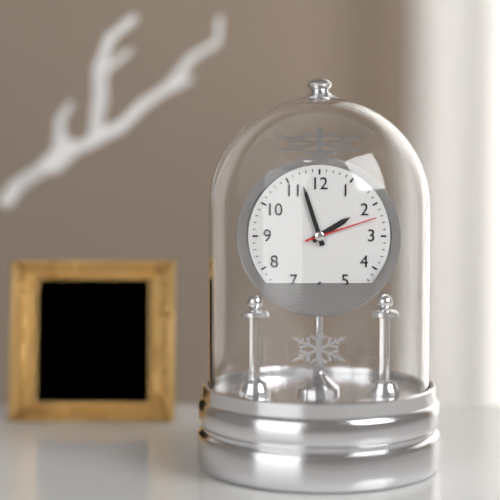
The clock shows 1:57:12
